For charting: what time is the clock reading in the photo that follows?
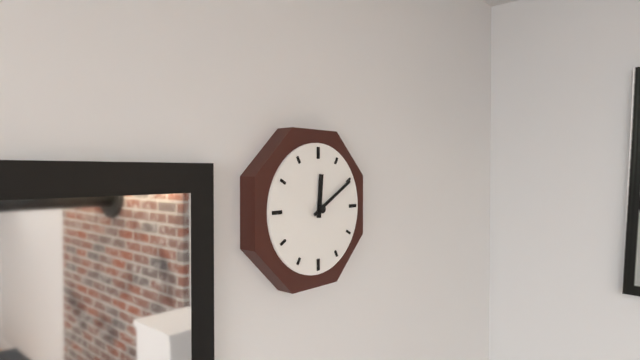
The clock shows 12:10
